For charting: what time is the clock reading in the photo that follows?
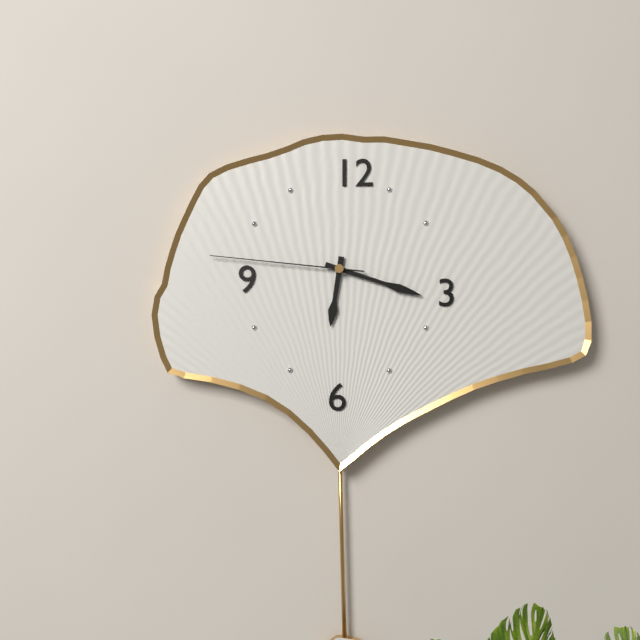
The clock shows 6:18:46
